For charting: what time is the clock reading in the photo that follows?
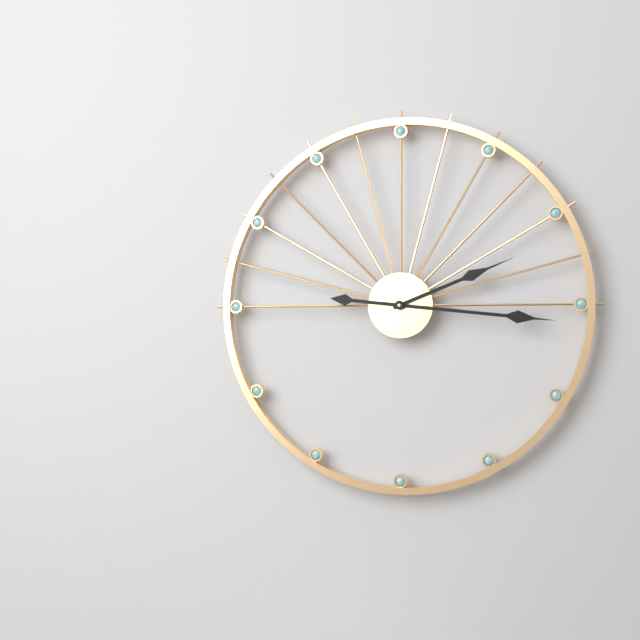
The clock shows 2:16
